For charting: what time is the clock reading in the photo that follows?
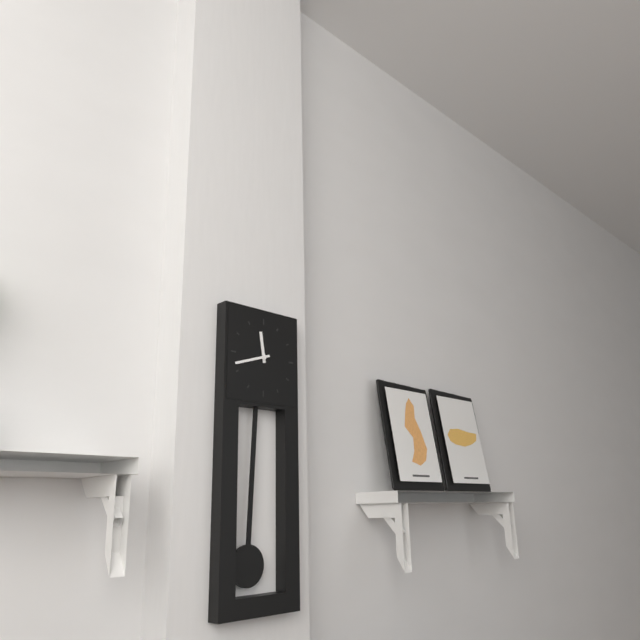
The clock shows 11:42
